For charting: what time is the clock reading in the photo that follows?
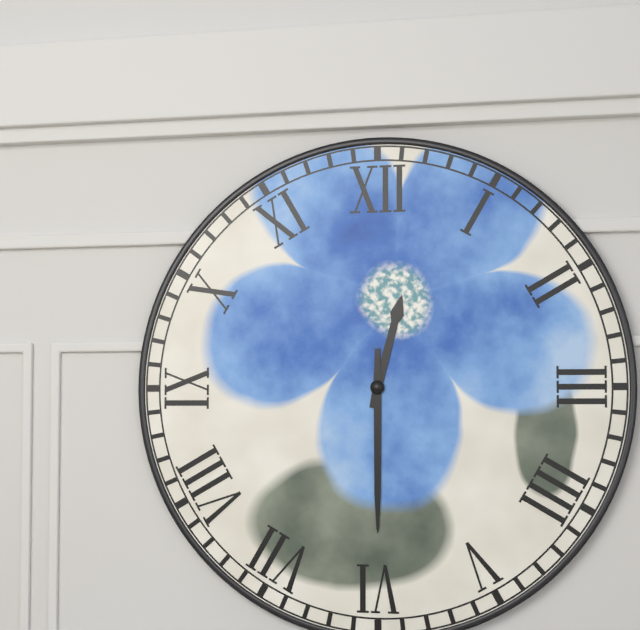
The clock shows 12:30
